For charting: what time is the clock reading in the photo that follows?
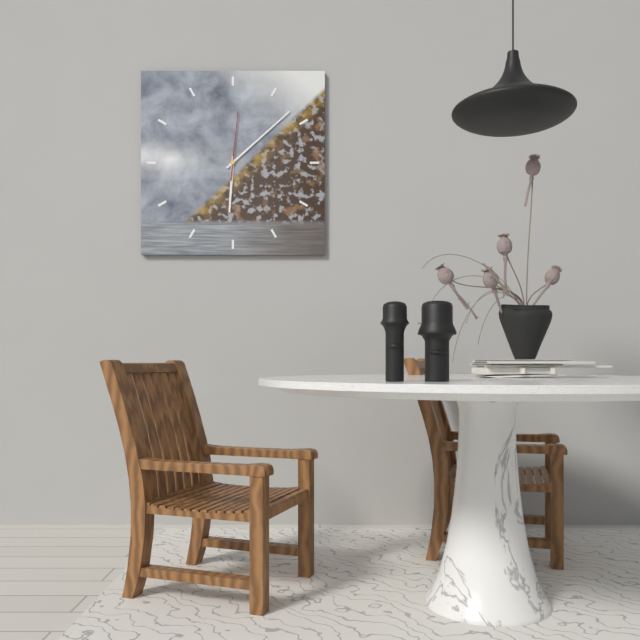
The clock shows 6:08:01
